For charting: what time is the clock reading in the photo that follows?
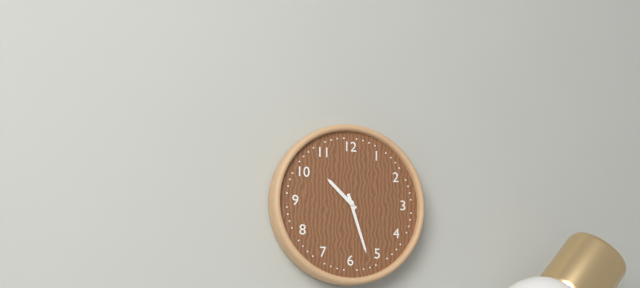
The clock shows 10:27
